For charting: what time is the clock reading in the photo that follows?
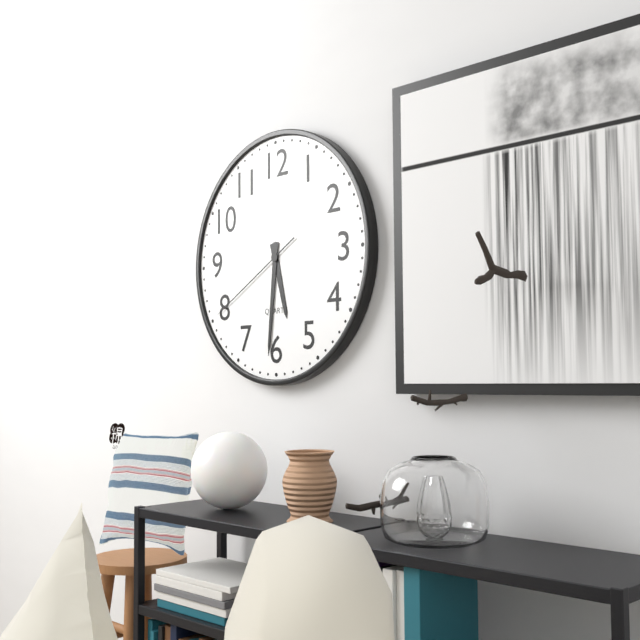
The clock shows 5:31:40
